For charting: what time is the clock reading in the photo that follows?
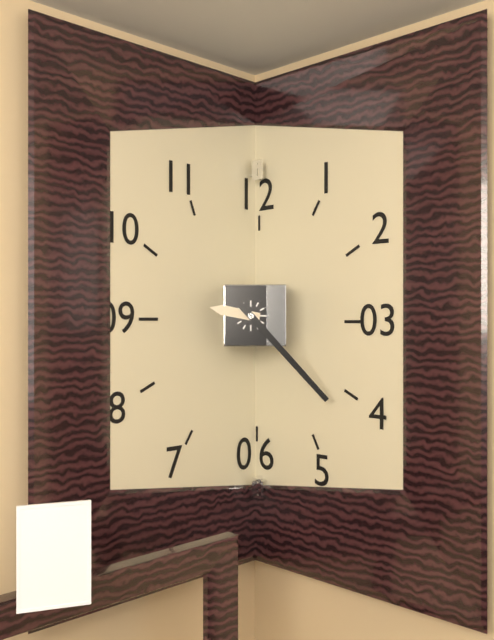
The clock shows 9:23
